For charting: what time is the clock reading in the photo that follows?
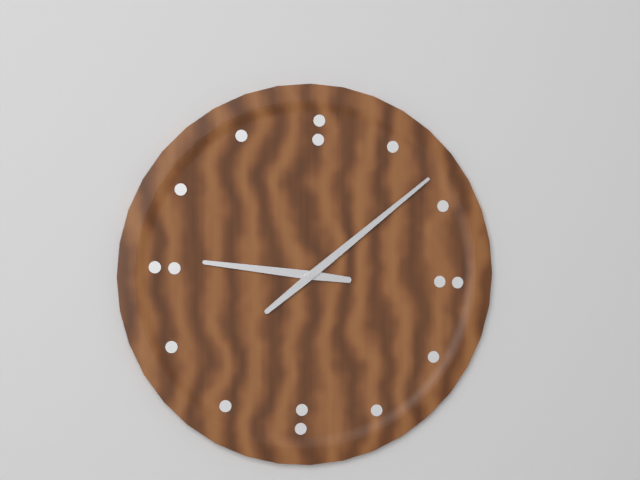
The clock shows 9:08
